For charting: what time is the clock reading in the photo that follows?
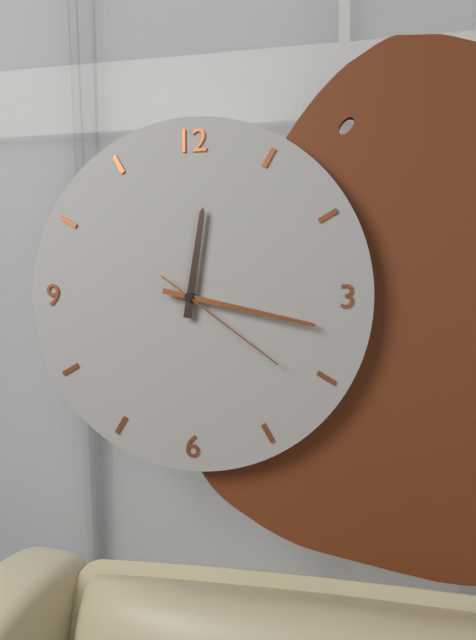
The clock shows 12:17:21
